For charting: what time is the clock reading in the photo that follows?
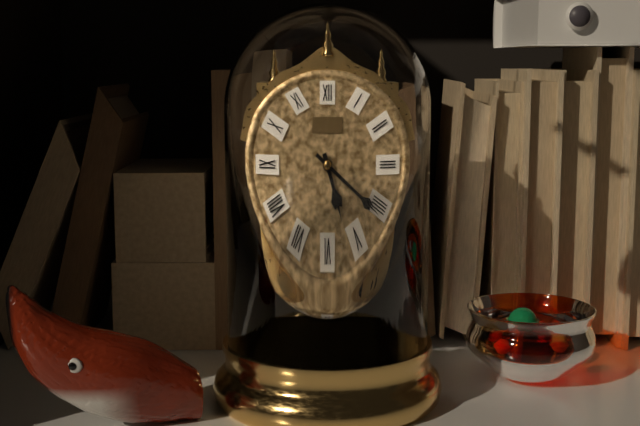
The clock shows 5:21
